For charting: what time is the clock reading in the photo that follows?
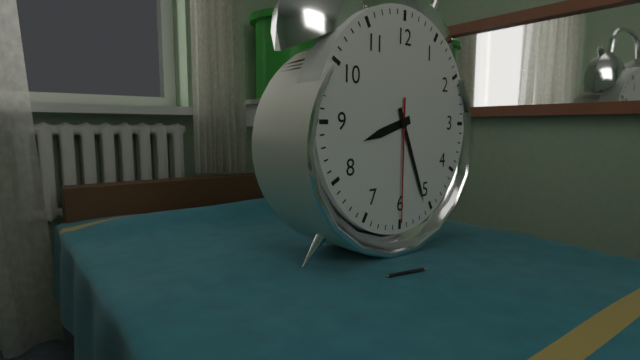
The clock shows 8:26:30
